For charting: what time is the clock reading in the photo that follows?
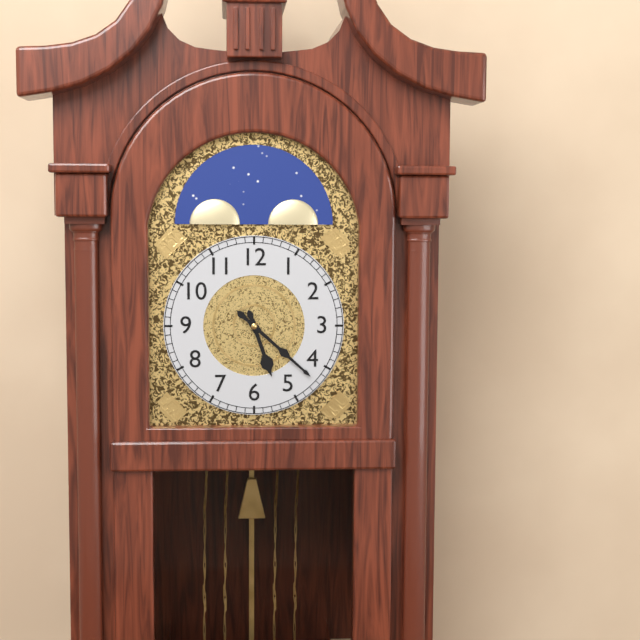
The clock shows 5:22
